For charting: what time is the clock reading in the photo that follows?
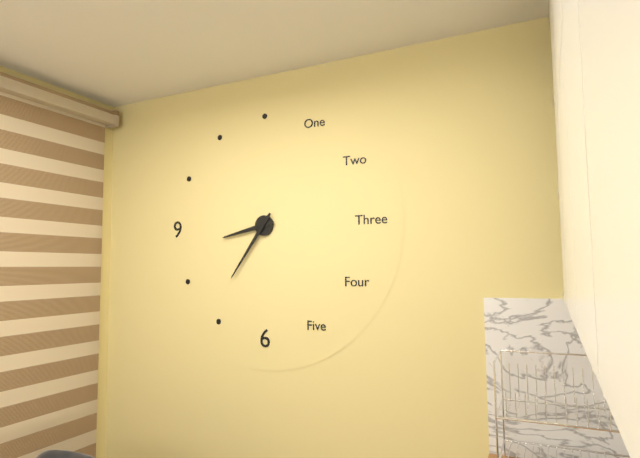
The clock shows 8:36
